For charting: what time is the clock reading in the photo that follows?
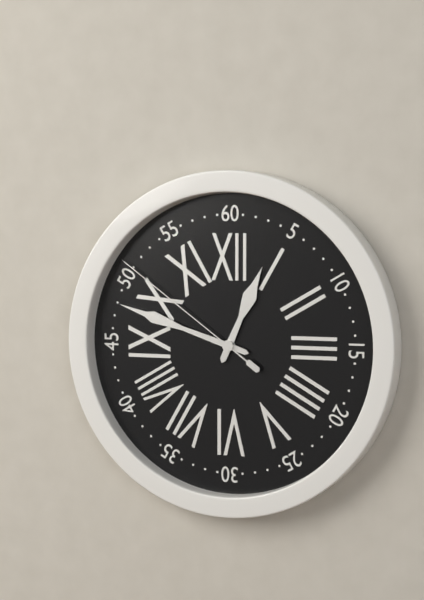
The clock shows 12:48:51
